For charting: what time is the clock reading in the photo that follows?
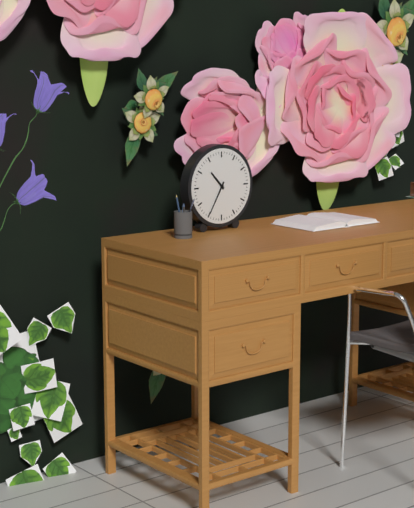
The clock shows 10:35
